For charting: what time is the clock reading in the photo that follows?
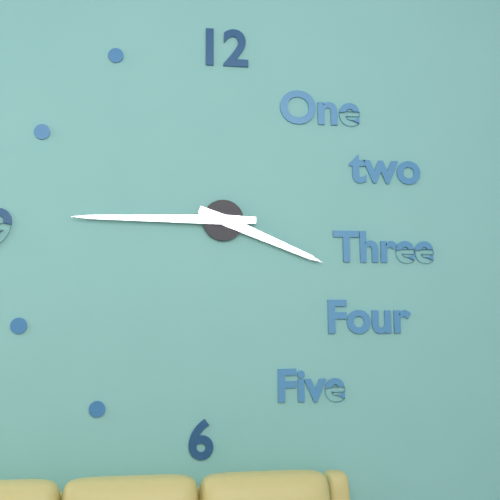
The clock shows 3:45
